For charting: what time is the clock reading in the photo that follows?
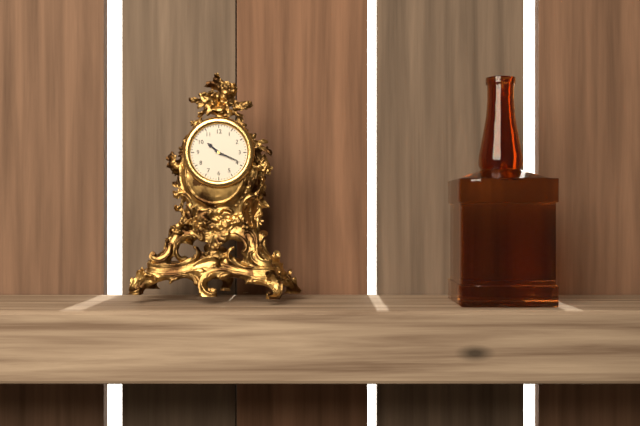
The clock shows 10:19
